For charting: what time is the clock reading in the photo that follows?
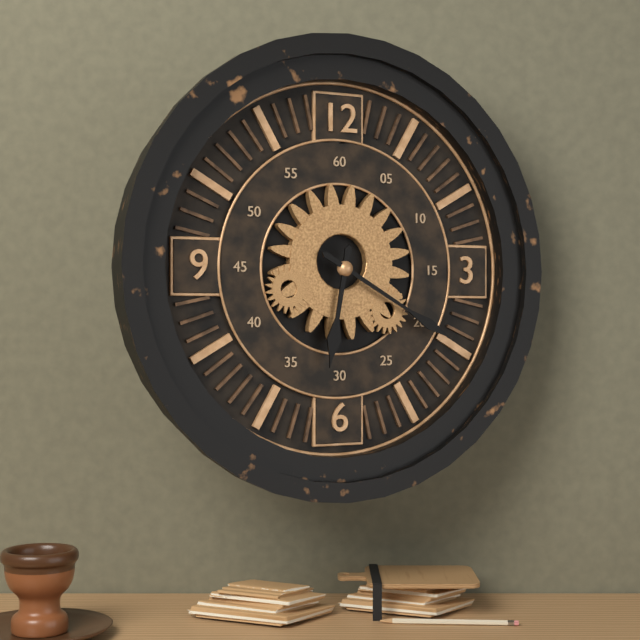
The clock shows 6:20
